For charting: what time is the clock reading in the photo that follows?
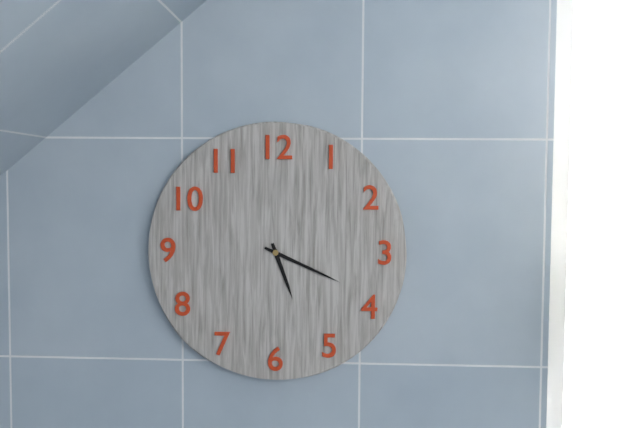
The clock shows 5:19
